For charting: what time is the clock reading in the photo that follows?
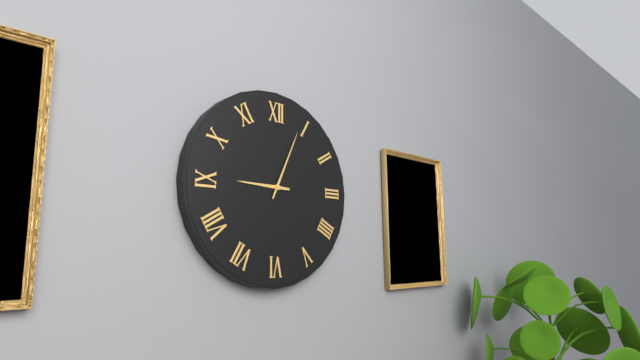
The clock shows 9:04
